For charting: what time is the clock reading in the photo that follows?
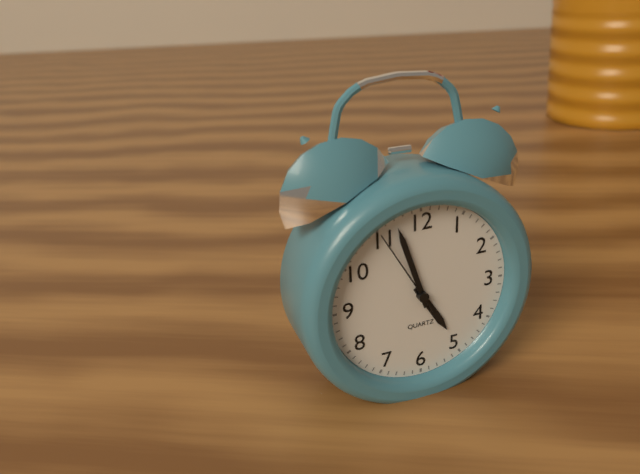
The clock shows 4:57:55
